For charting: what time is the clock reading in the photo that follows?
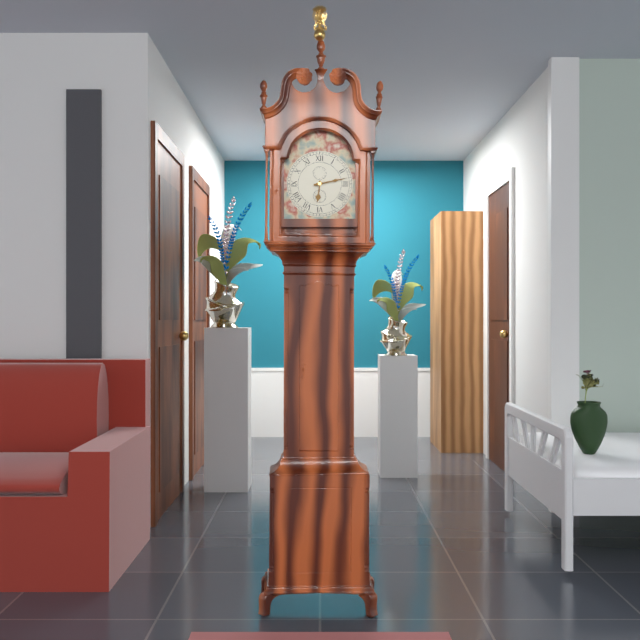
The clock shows 6:13
